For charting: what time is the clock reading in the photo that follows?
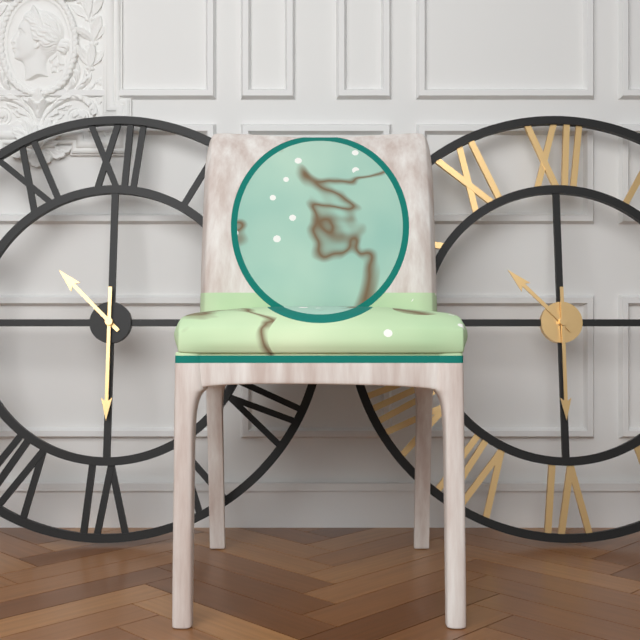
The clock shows 10:30
